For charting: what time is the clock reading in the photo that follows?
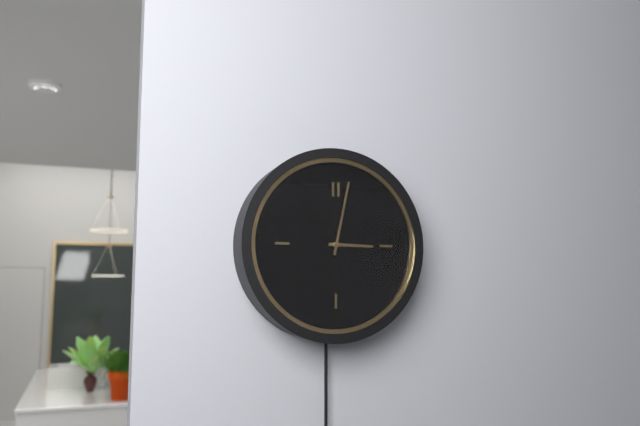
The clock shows 3:02
